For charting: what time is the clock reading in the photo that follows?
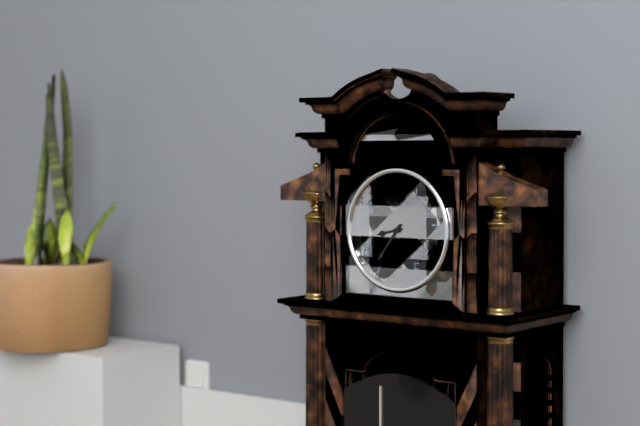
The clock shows 8:36
